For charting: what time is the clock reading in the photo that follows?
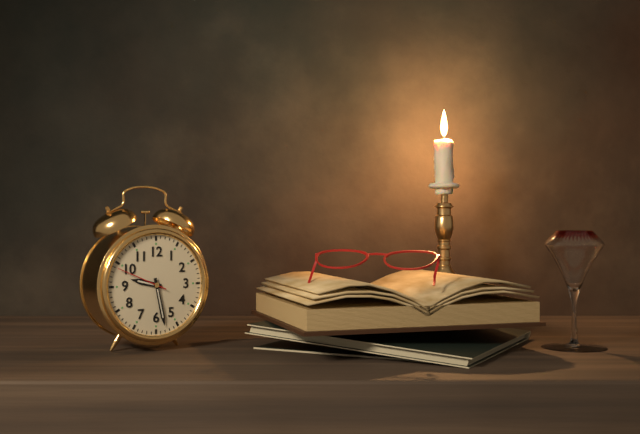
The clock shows 9:28:49
